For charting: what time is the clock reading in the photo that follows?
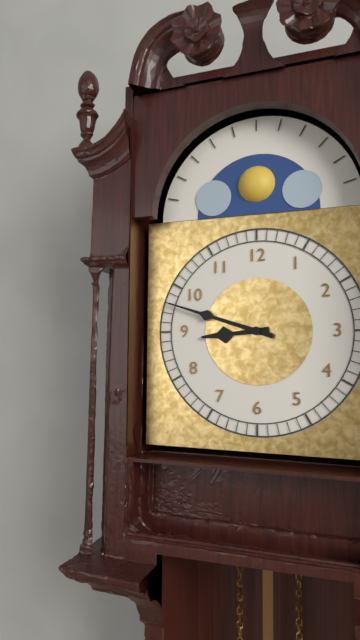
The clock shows 8:48
